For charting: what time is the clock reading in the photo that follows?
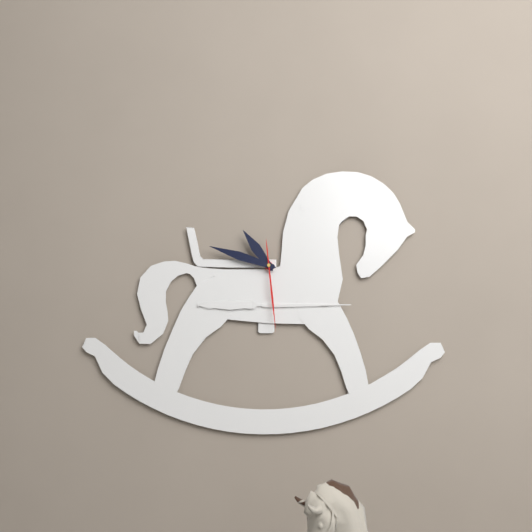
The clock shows 10:48:29
